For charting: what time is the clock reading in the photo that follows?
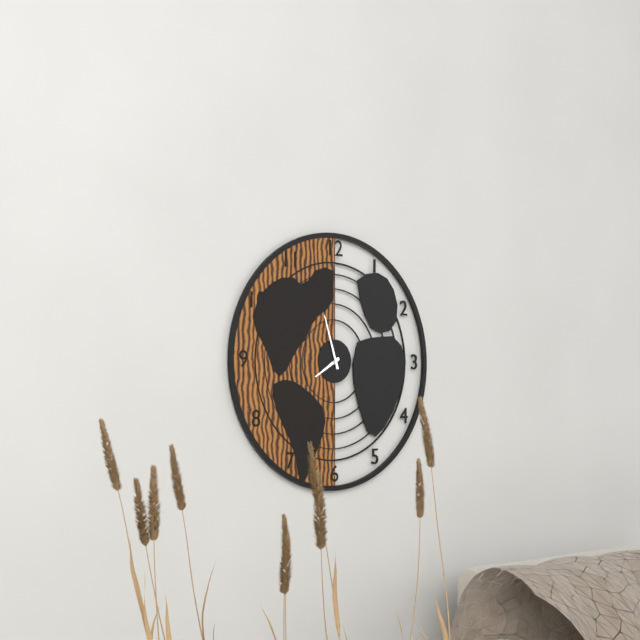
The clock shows 7:57
